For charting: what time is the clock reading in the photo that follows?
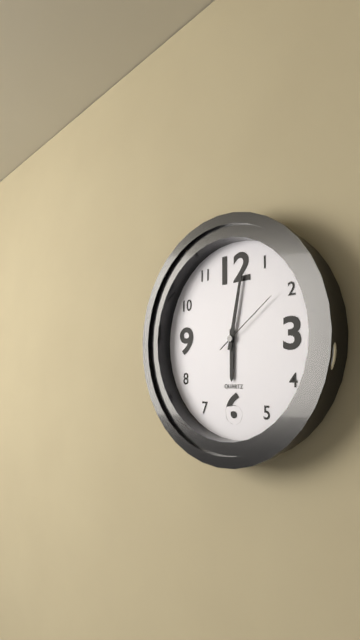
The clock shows 6:02:09
